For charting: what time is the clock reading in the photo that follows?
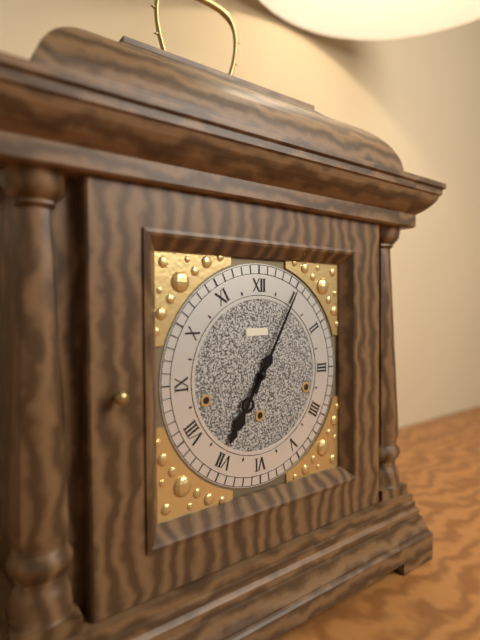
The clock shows 7:05
